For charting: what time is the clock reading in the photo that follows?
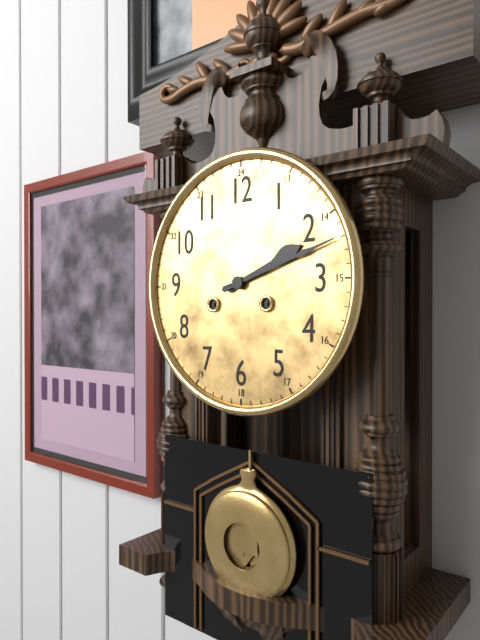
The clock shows 2:12
